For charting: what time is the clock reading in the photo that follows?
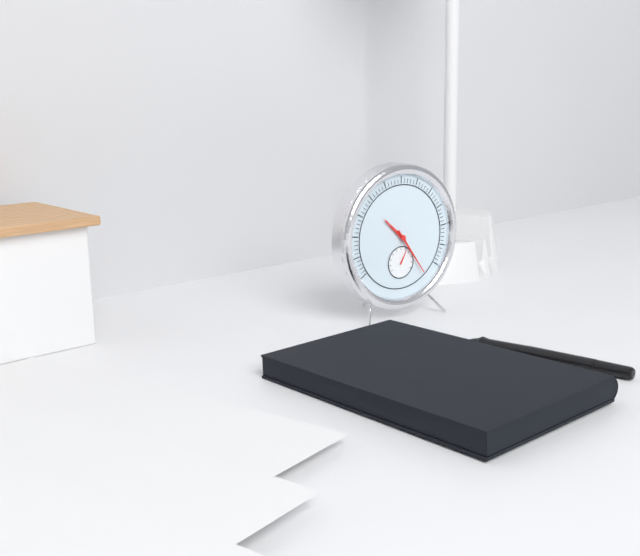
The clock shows 10:24
